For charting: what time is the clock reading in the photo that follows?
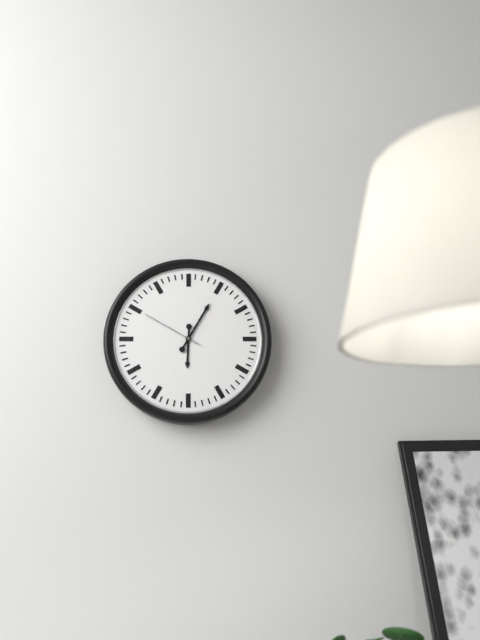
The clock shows 6:05:50
